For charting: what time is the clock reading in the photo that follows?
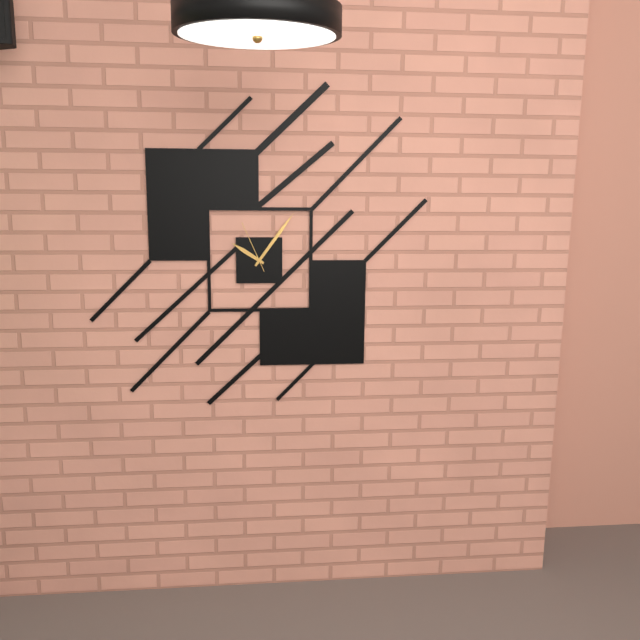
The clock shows 10:06:56
